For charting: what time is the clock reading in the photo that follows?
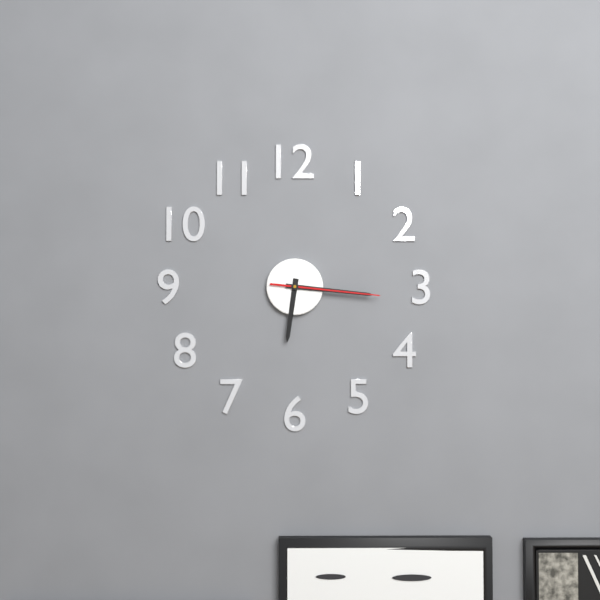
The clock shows 6:16:16
